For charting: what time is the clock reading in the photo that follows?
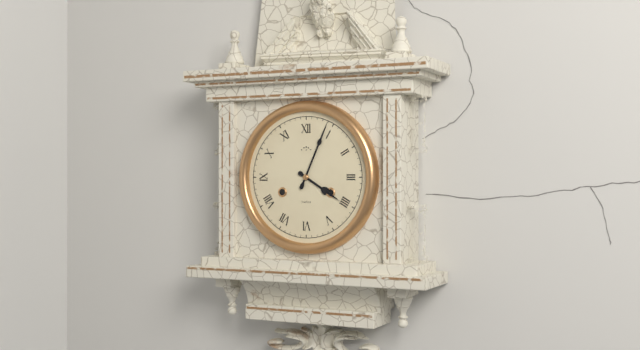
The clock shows 4:04
